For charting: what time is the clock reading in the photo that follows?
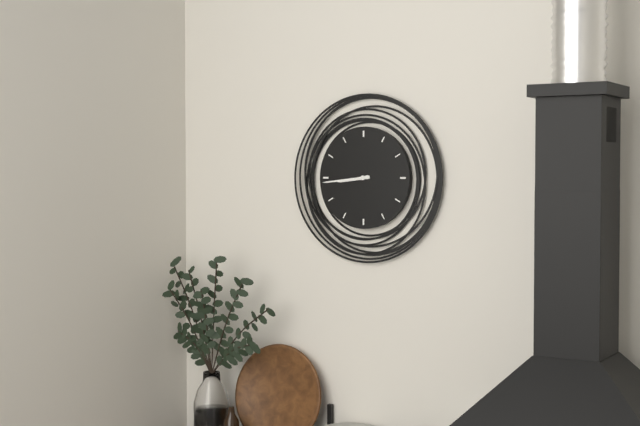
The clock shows 8:44
